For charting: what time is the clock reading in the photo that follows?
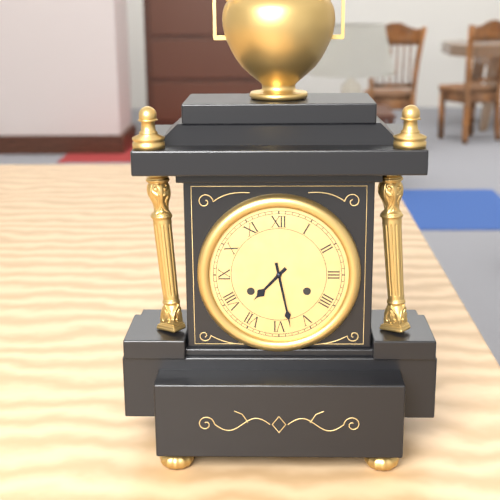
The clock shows 7:28
